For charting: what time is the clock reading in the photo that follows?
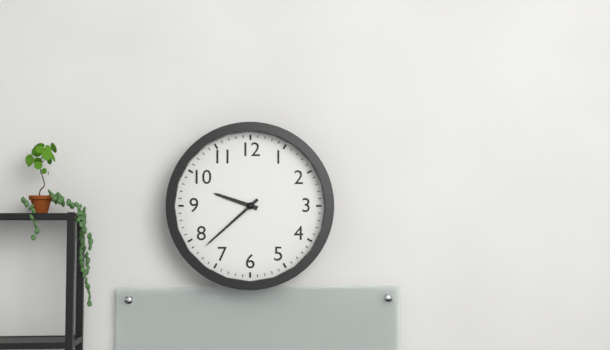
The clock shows 9:38
